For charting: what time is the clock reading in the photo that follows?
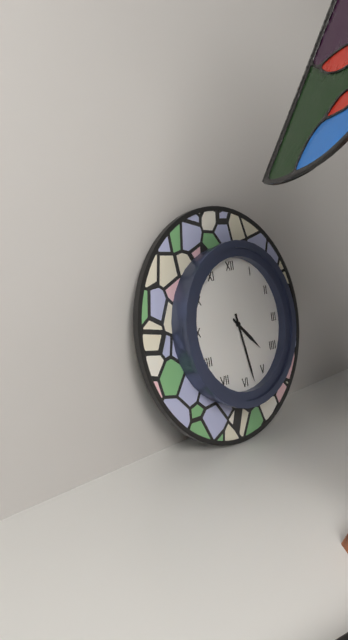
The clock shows 4:28
